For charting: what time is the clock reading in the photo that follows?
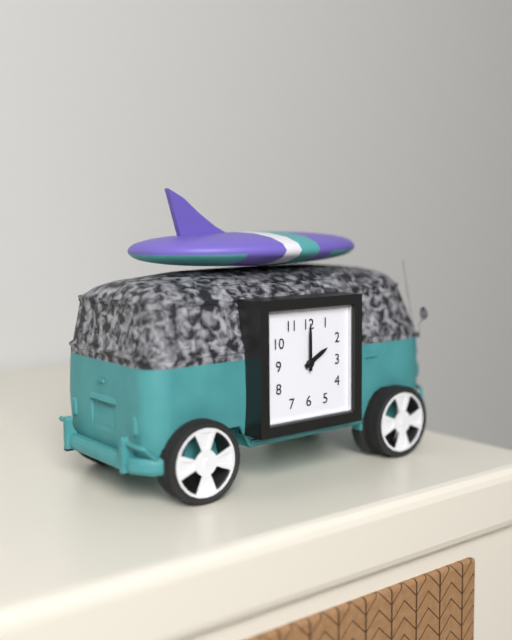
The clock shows 2:00
